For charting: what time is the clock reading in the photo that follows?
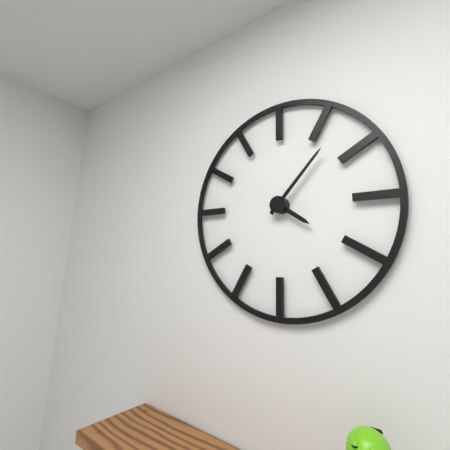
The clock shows 4:07
